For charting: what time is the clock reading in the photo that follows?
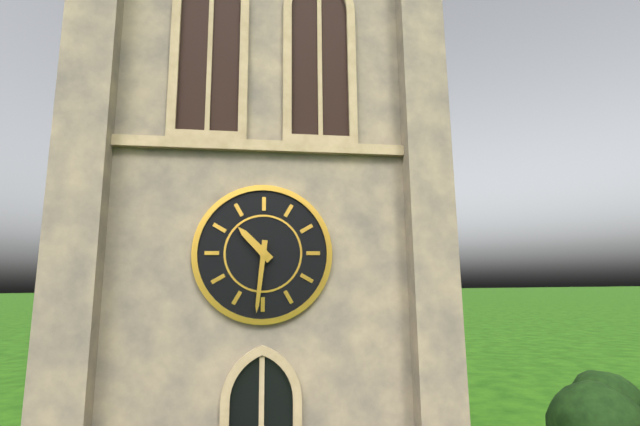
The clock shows 10:31
